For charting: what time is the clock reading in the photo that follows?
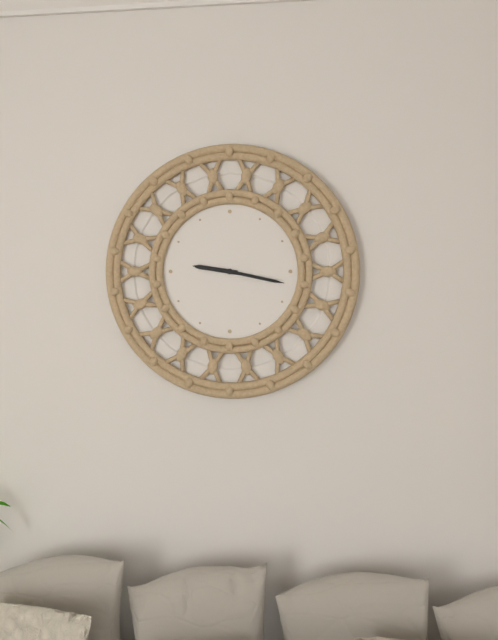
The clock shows 9:17
